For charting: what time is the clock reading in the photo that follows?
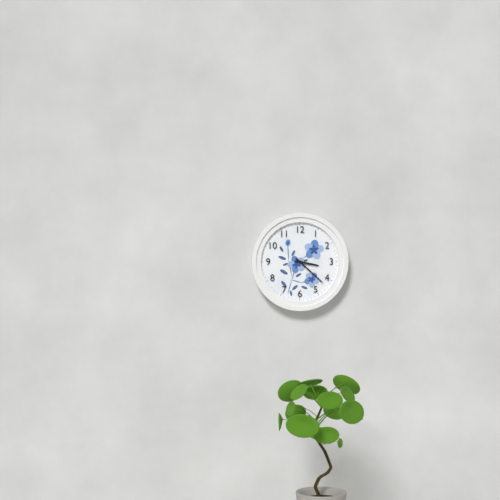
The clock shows 3:22
